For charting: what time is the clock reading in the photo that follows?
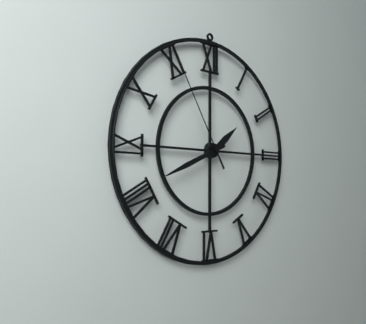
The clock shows 1:41:55
